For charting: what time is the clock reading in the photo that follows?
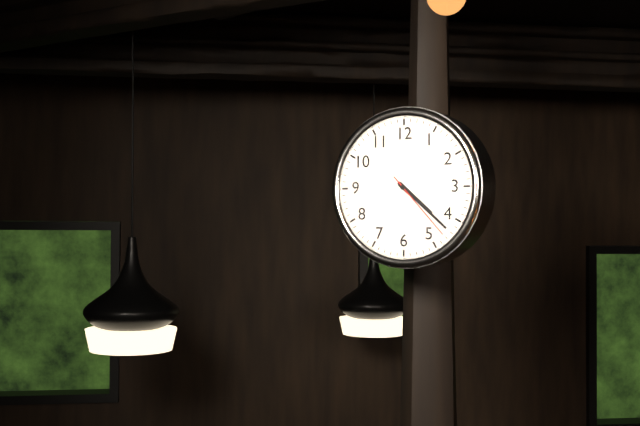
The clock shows 4:22:23
